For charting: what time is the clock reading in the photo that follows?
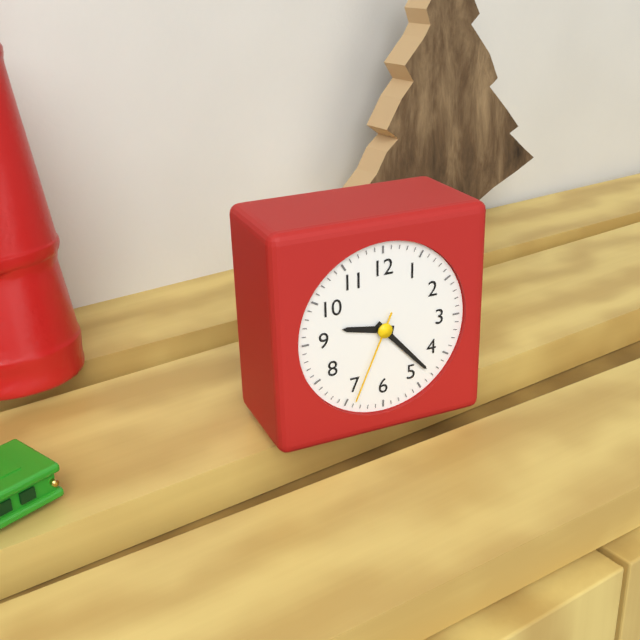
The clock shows 9:23:34
